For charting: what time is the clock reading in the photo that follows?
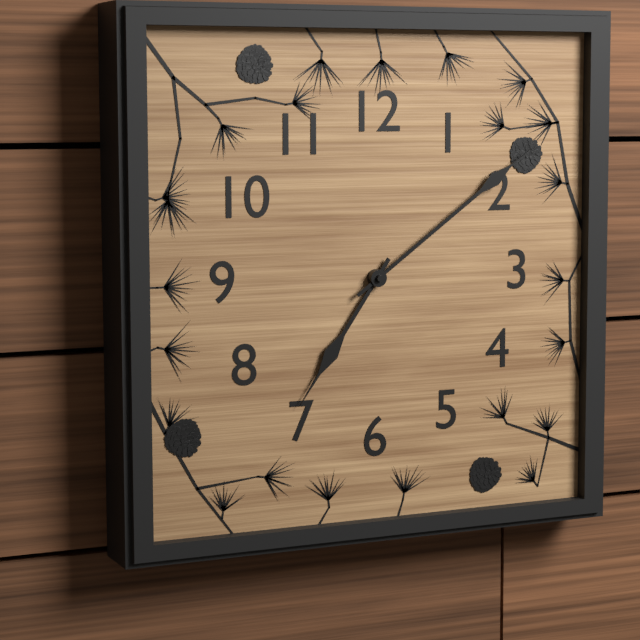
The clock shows 7:09
